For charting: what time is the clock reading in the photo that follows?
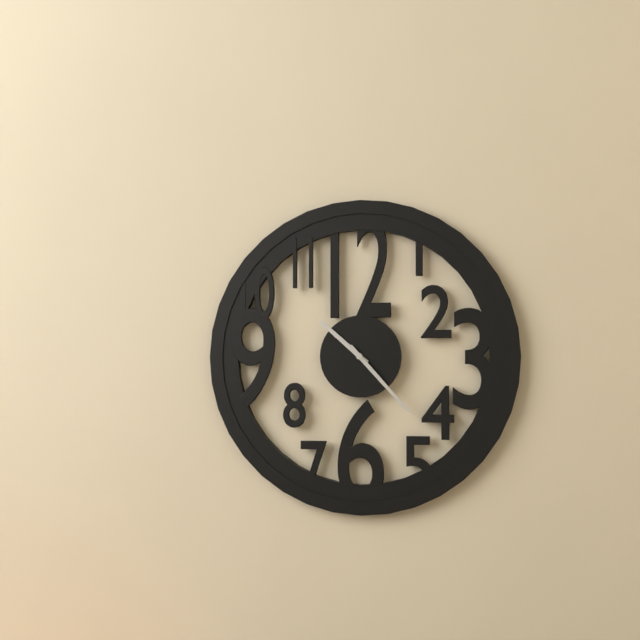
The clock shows 10:23
